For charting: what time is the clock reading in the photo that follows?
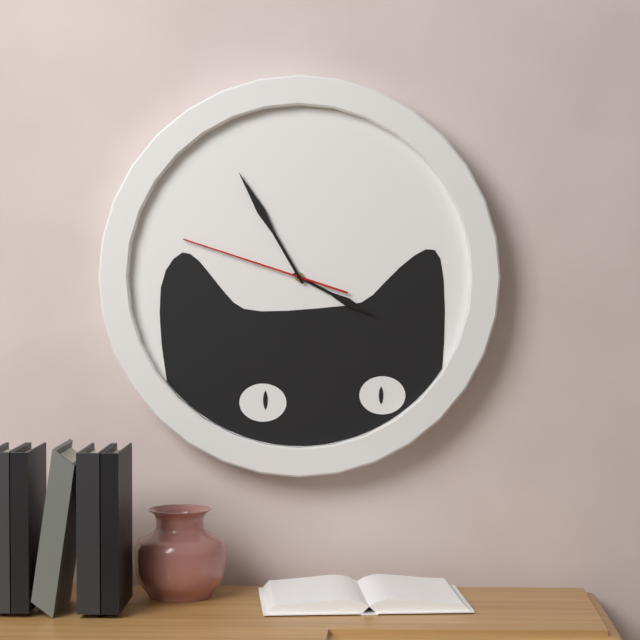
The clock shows 3:55:48
